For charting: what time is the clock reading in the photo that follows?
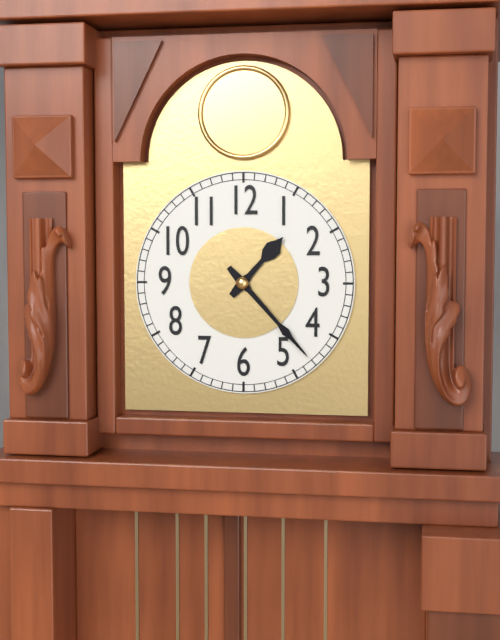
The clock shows 1:23
